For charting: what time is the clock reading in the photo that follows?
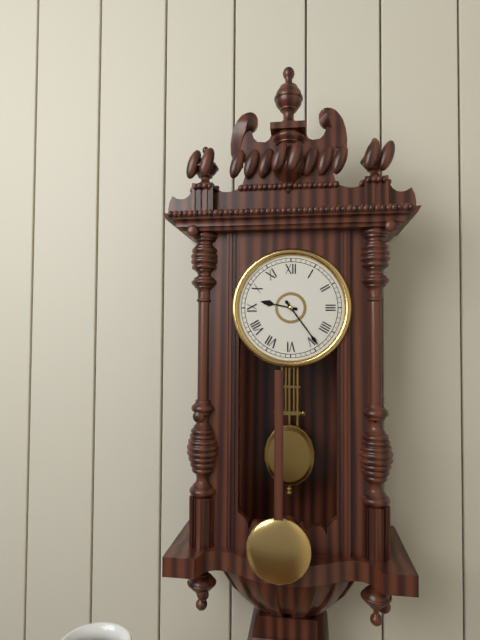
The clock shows 9:24
